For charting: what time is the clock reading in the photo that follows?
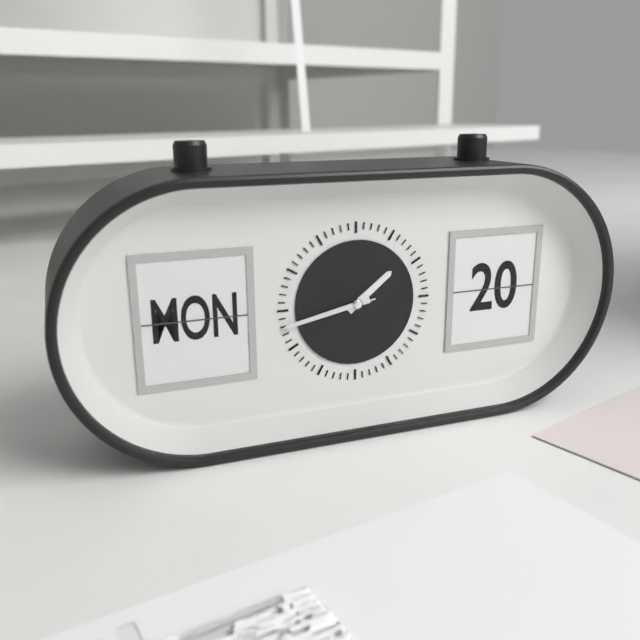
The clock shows 1:43:43
